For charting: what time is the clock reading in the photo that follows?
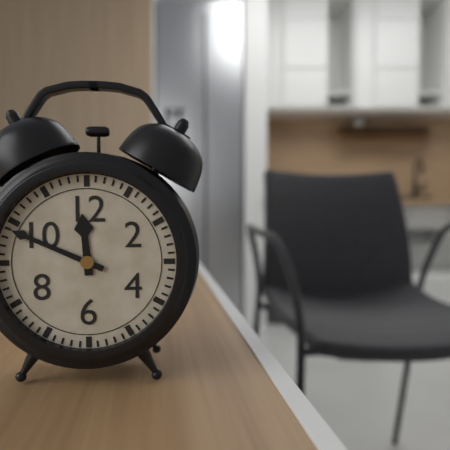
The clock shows 11:49
